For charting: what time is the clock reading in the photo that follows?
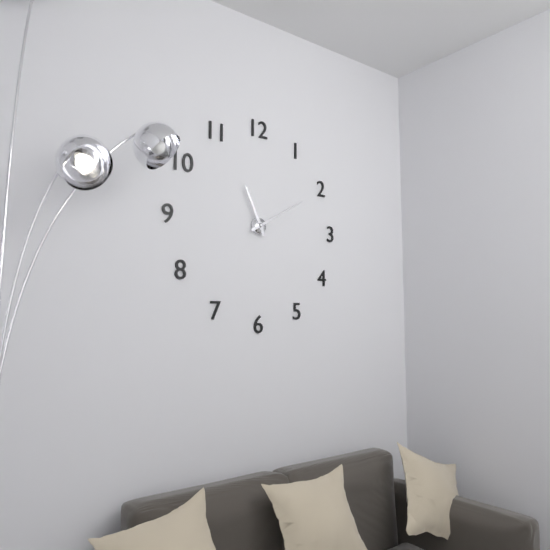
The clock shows 11:10
